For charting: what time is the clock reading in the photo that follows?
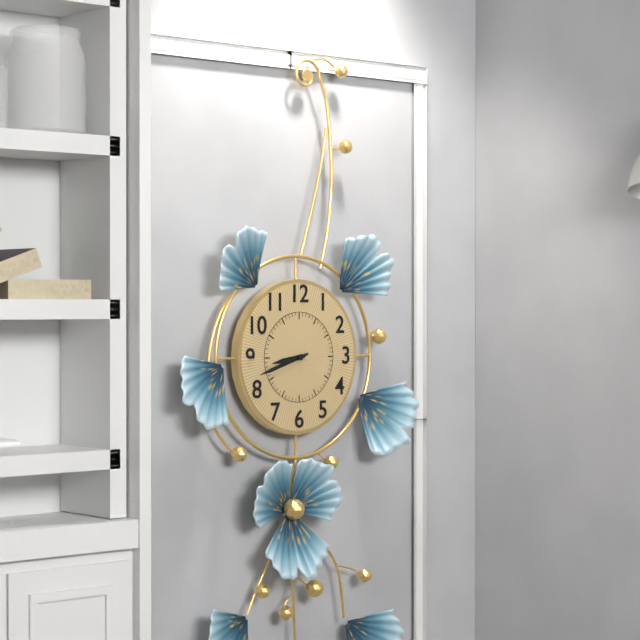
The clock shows 8:42
